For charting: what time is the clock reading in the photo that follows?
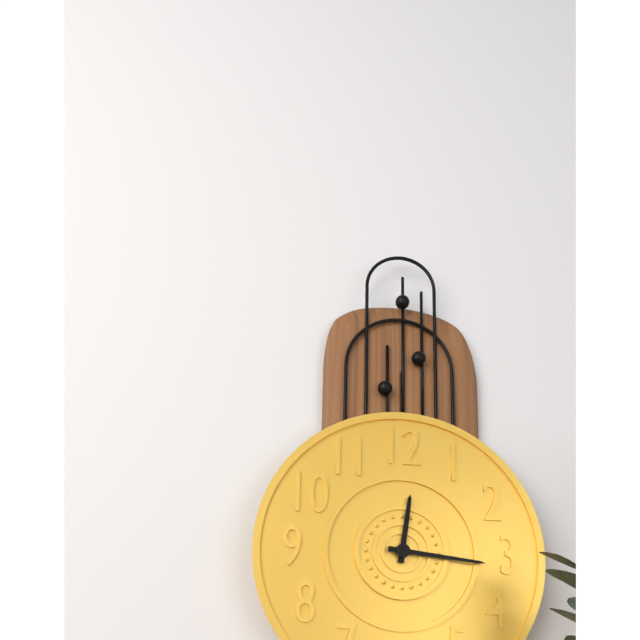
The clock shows 12:16
